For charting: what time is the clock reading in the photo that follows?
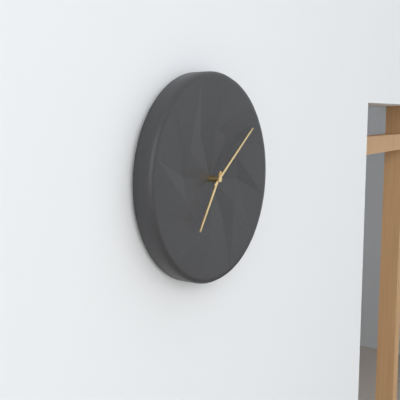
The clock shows 7:09
